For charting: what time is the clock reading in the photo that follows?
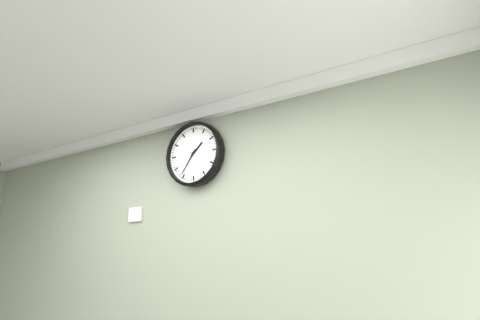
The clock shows 1:36
